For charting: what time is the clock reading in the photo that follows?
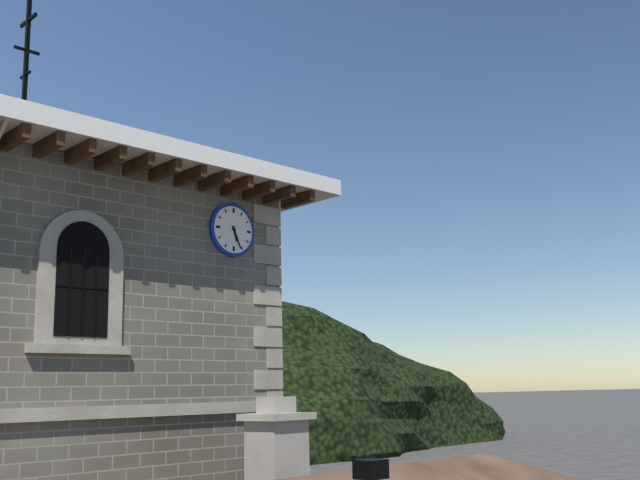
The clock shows 5:26
